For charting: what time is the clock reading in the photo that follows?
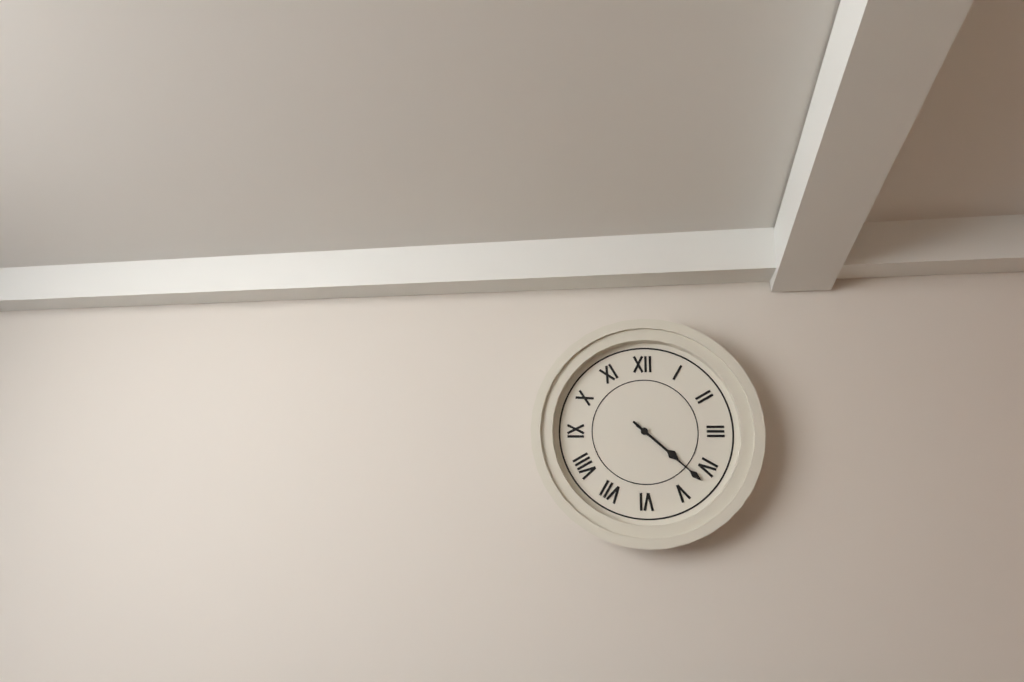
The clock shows 4:22
